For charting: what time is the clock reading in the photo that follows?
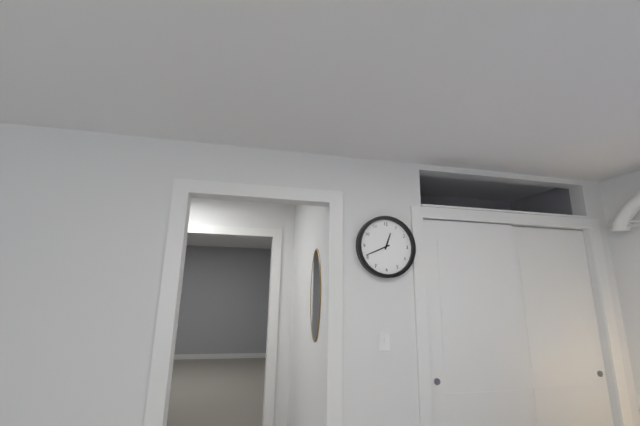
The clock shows 12:41
